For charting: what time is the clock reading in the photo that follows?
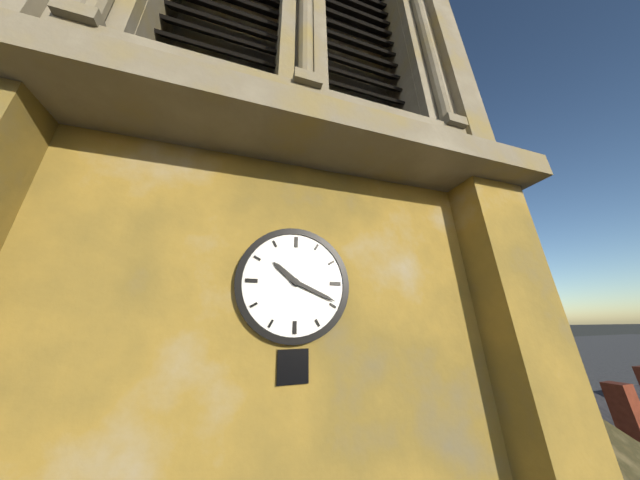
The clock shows 10:19
